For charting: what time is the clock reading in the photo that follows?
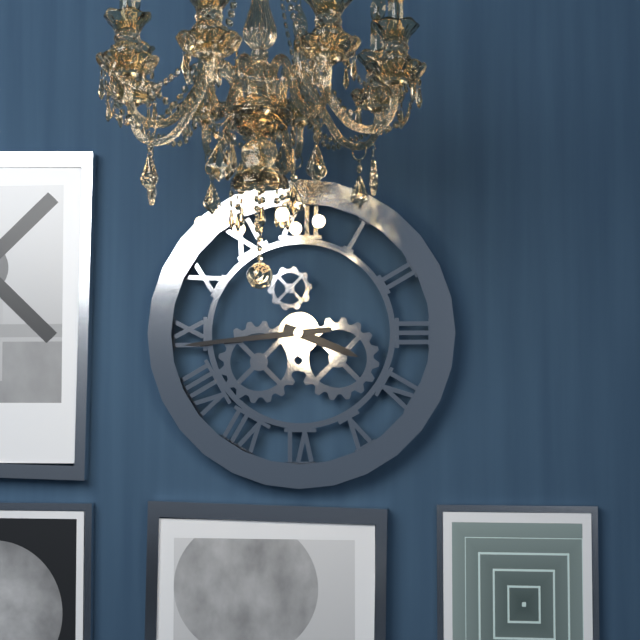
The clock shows 3:44
